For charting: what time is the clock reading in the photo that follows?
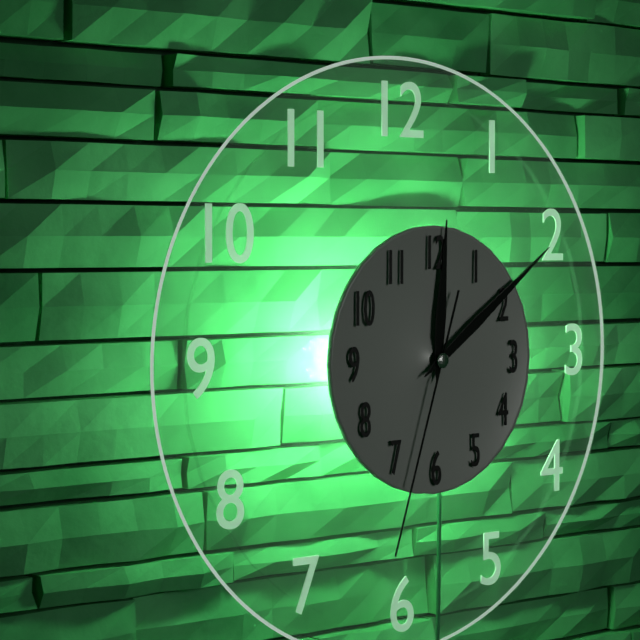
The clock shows 12:09:33
